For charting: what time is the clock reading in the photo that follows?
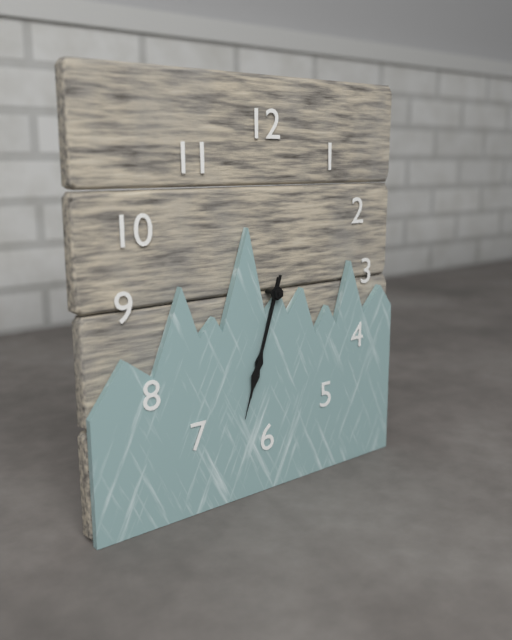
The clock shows 6:33
